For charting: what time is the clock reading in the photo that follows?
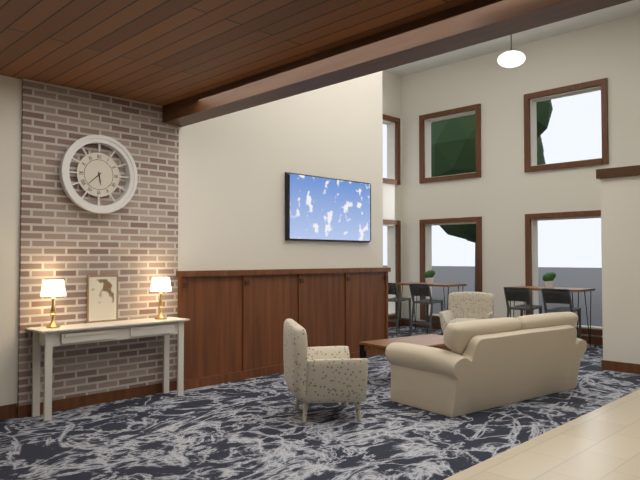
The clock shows 5:38
